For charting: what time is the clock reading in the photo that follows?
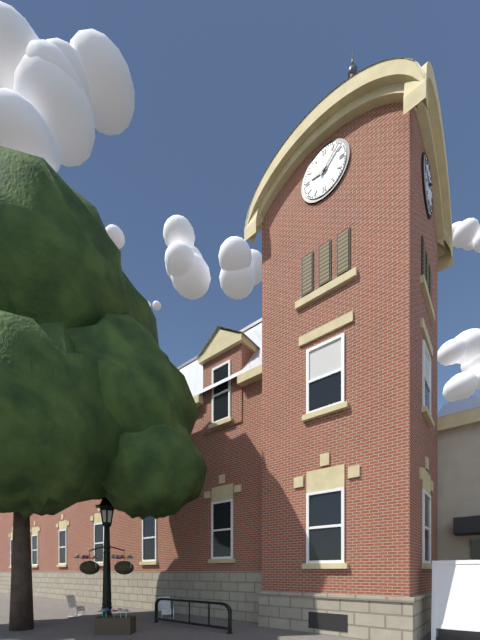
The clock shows 9:08
